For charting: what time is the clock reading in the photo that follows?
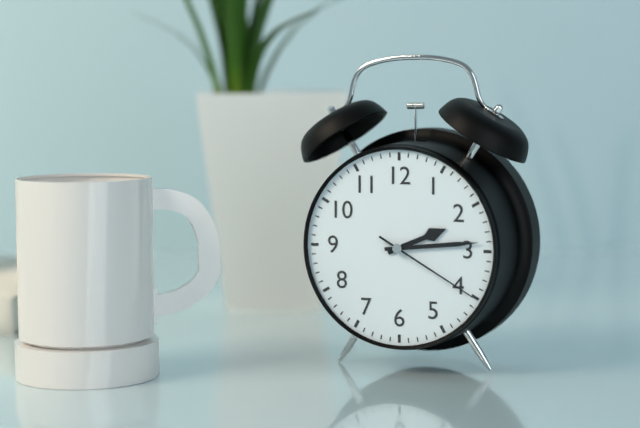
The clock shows 2:14:20
